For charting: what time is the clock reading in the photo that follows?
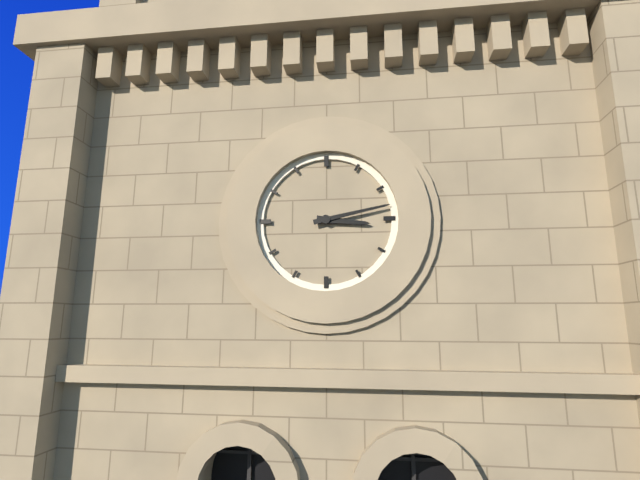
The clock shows 3:13
